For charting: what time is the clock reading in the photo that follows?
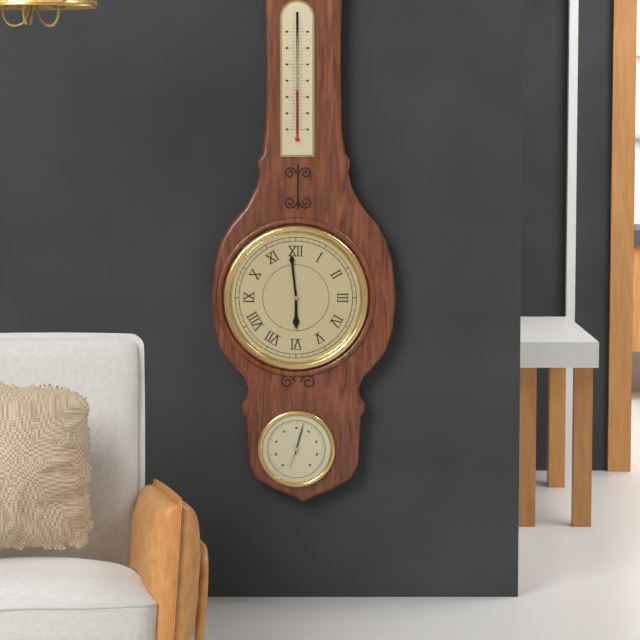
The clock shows 5:59
